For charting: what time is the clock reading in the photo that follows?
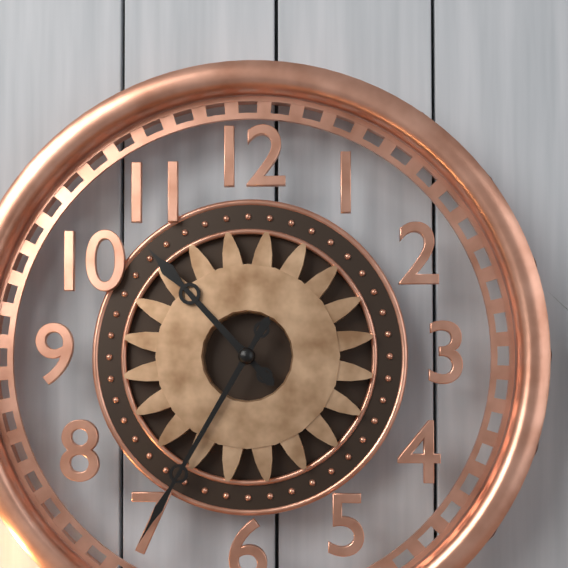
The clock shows 10:35
